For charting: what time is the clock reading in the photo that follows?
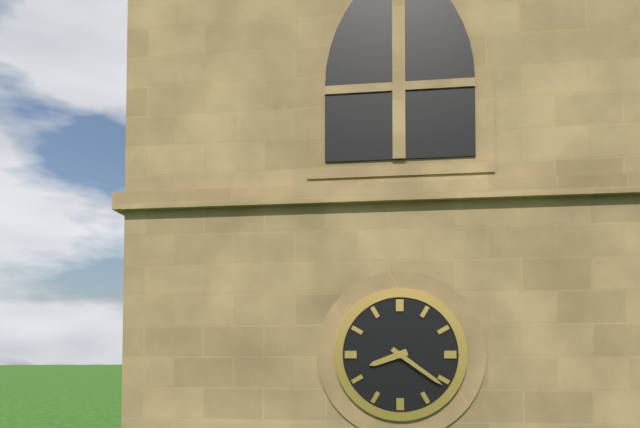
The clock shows 8:21
